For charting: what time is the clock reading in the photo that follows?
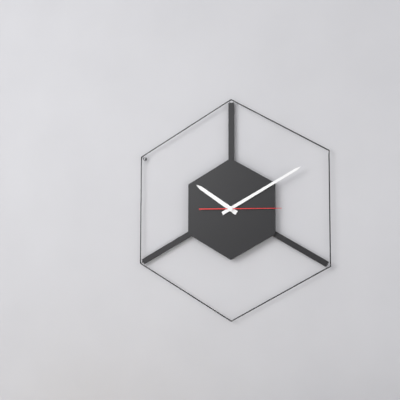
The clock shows 10:10:15
